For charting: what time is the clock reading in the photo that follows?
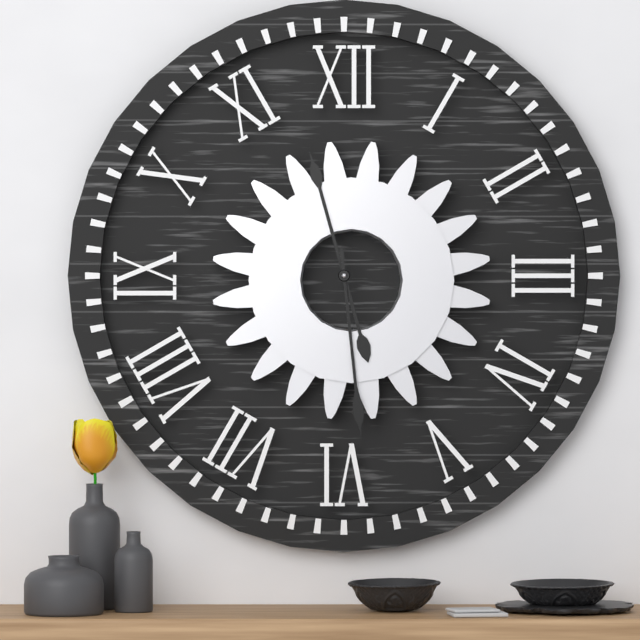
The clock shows 11:29
